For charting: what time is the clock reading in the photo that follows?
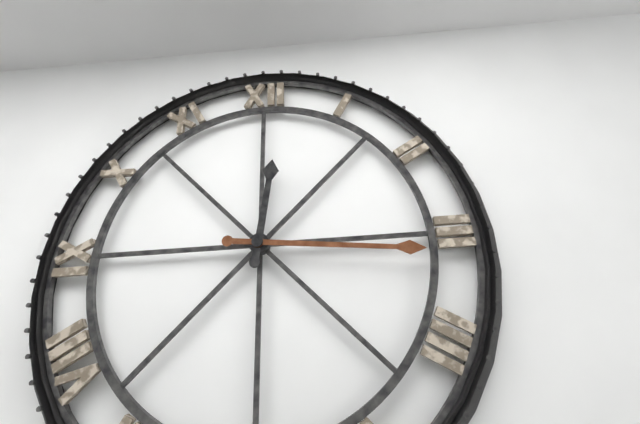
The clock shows 12:16
